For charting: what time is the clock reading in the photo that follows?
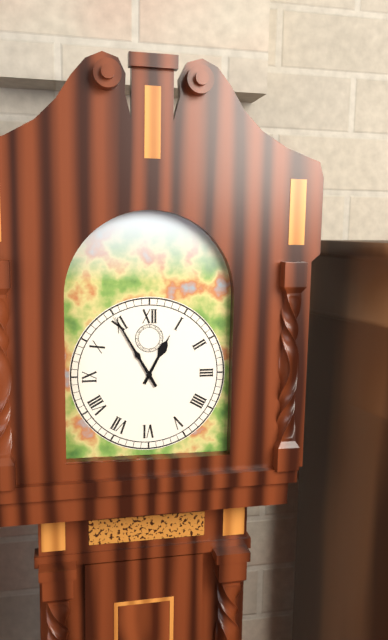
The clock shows 12:55
